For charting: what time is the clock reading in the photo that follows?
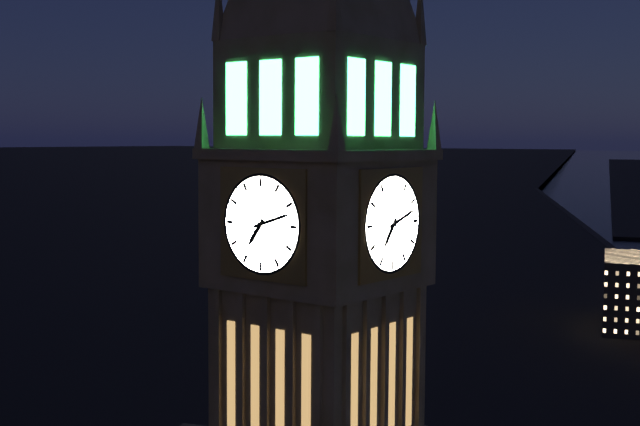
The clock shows 7:12
